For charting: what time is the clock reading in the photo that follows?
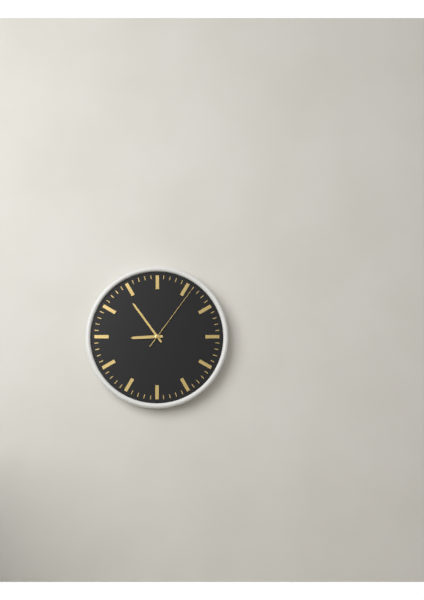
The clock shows 8:54:06
